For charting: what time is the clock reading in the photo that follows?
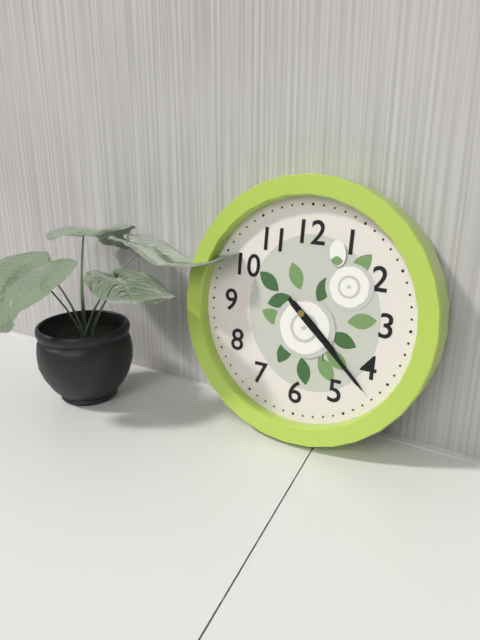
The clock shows 4:22
